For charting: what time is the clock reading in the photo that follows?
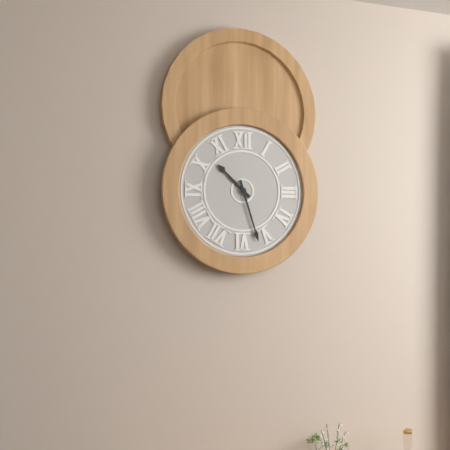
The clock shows 10:27
